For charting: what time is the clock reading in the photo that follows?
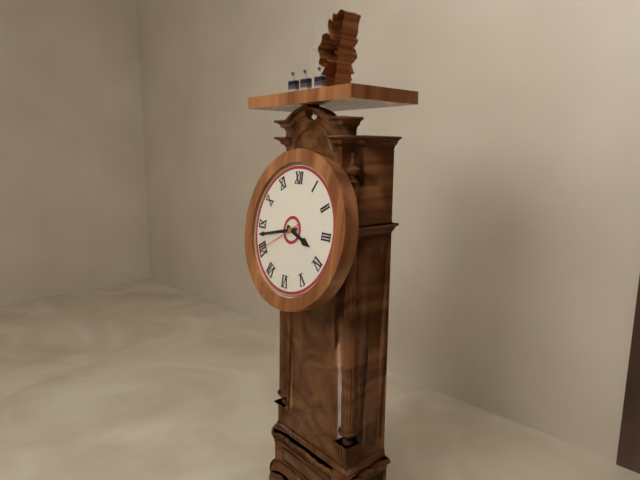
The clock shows 3:43
